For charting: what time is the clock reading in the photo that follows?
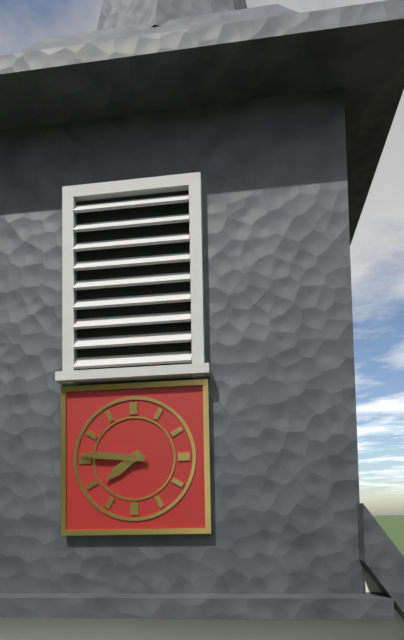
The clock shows 7:46
